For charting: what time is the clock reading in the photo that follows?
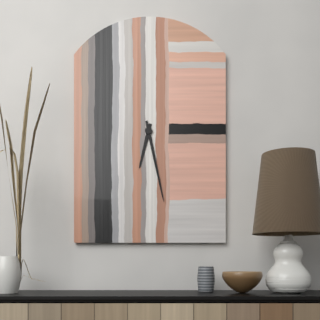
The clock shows 6:28
